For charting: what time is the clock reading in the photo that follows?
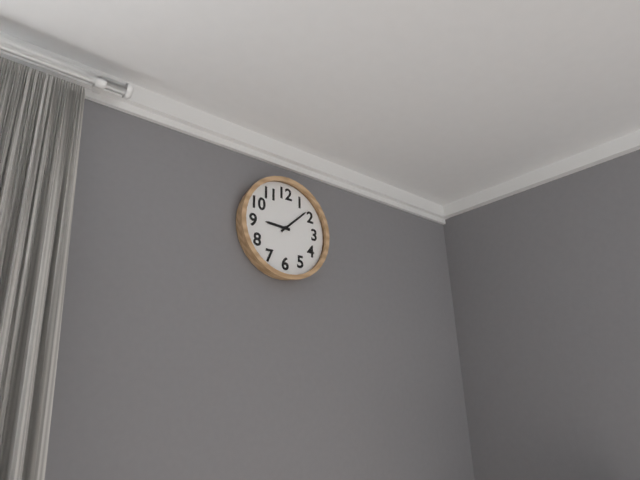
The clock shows 9:08
